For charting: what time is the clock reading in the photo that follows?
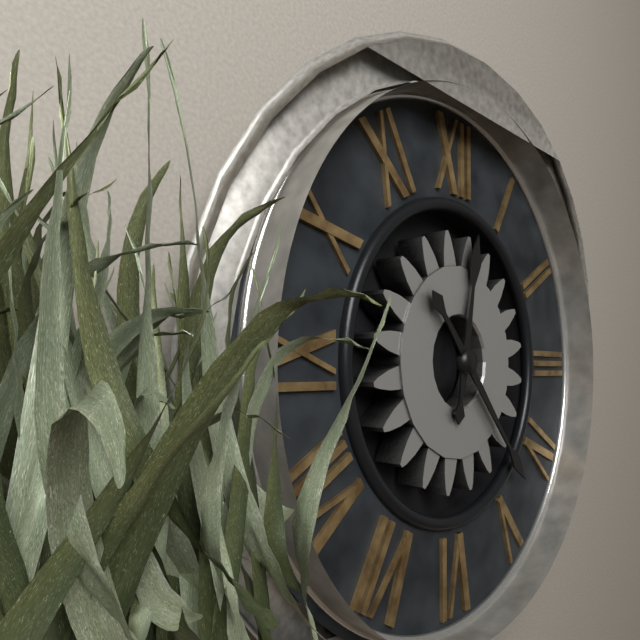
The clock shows 12:23
